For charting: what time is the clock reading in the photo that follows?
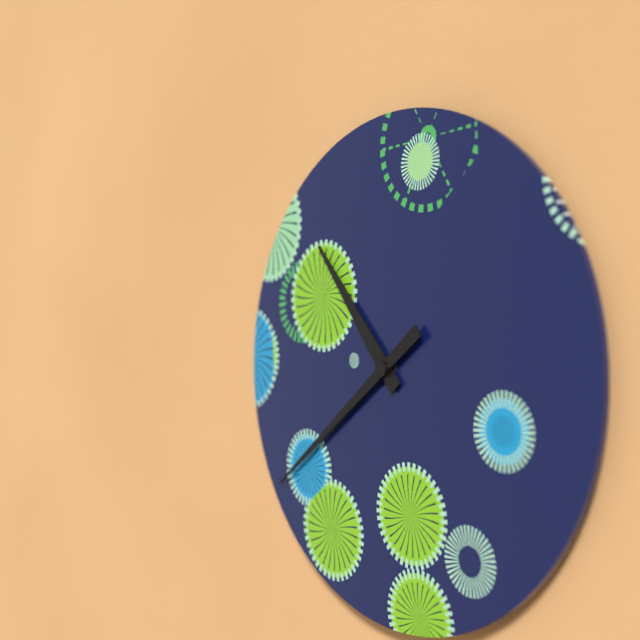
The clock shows 10:39
